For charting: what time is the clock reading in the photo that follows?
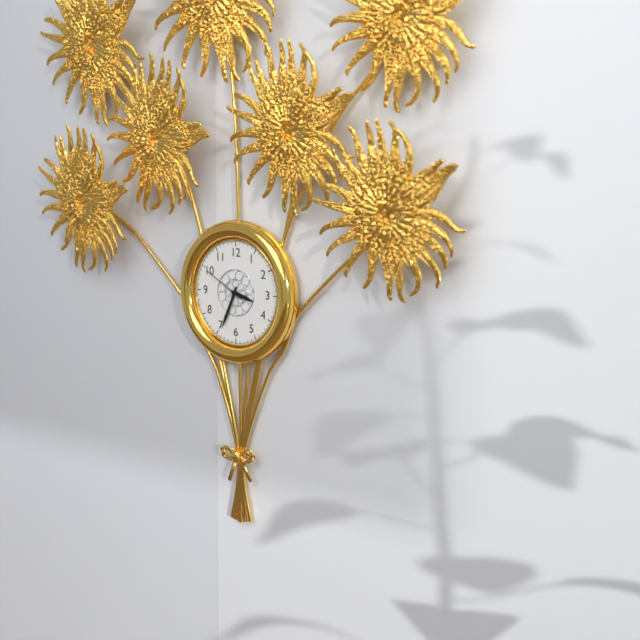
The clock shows 3:34
